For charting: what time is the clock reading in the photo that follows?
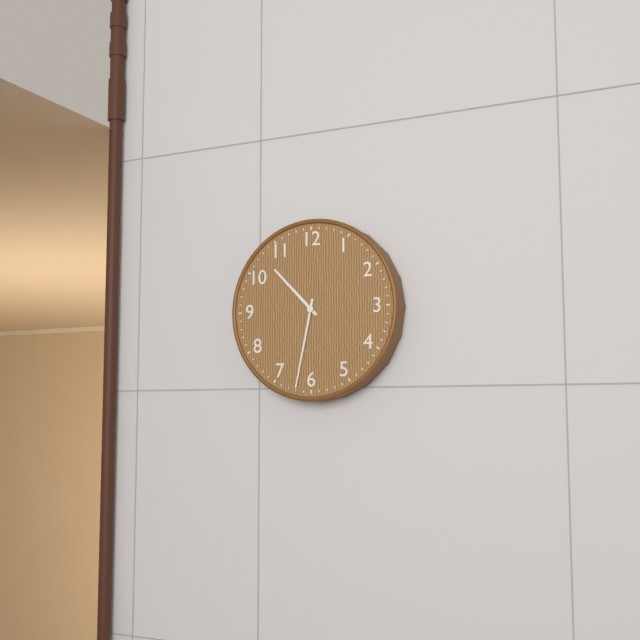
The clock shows 10:32
